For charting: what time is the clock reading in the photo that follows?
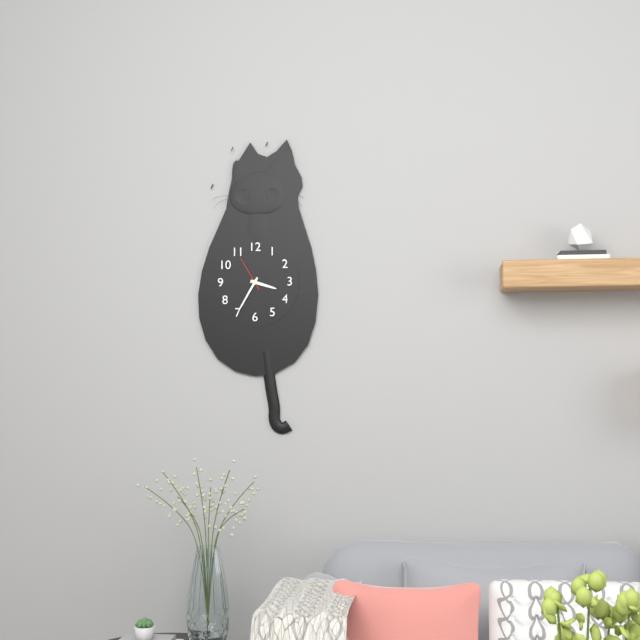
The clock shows 3:35
